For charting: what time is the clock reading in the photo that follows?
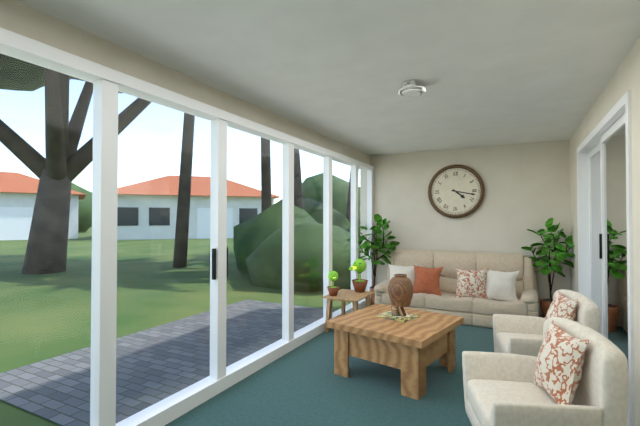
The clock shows 4:17
